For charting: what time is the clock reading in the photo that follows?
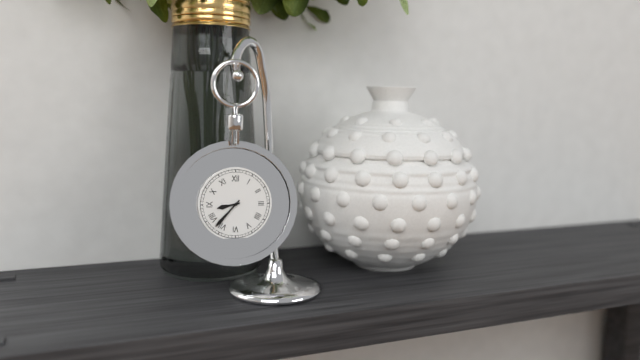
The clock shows 8:37
